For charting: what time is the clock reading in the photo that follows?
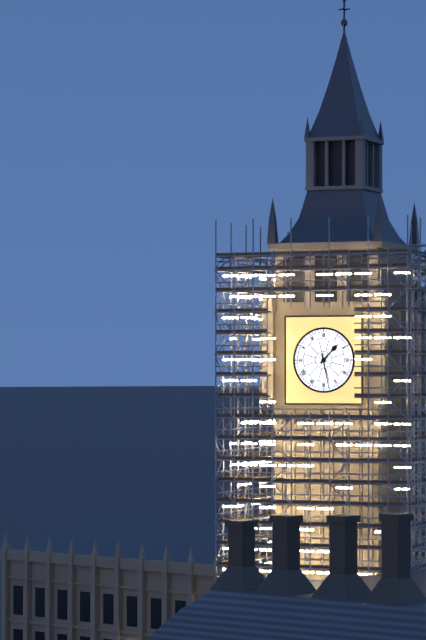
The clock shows 1:28
